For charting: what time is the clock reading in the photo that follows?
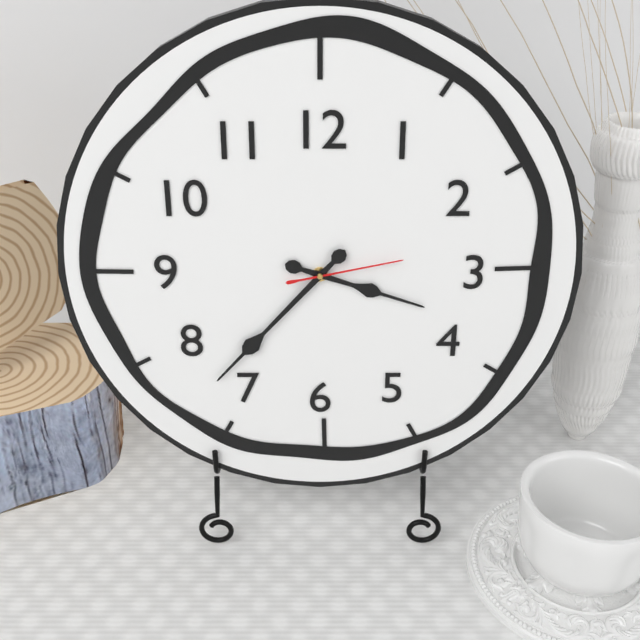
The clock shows 3:37:13
